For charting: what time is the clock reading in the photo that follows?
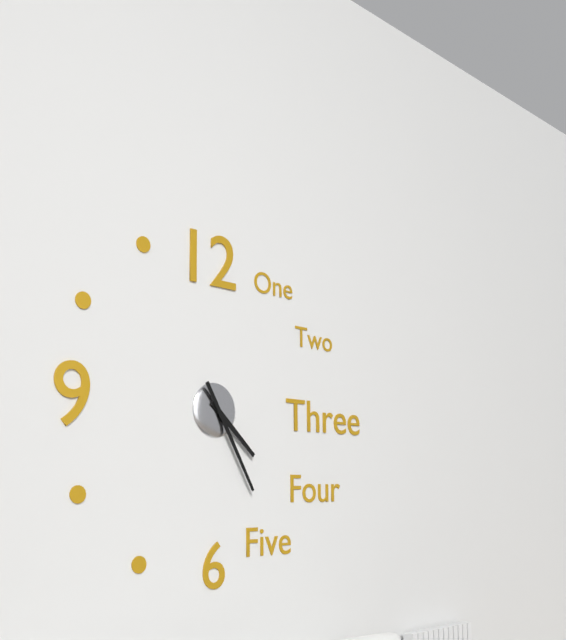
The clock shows 4:25
